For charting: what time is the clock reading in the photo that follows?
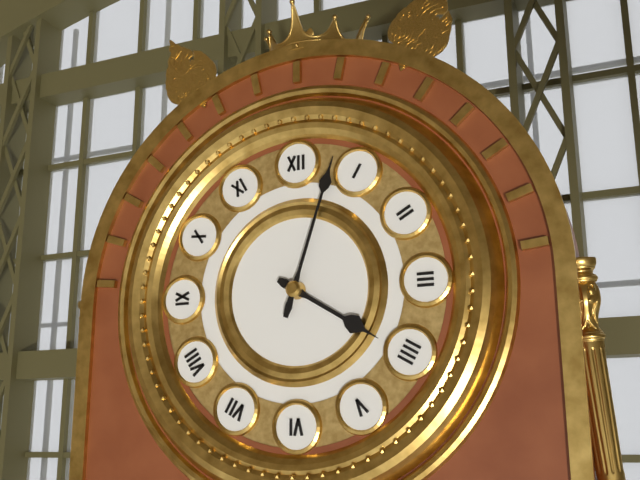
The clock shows 4:03
